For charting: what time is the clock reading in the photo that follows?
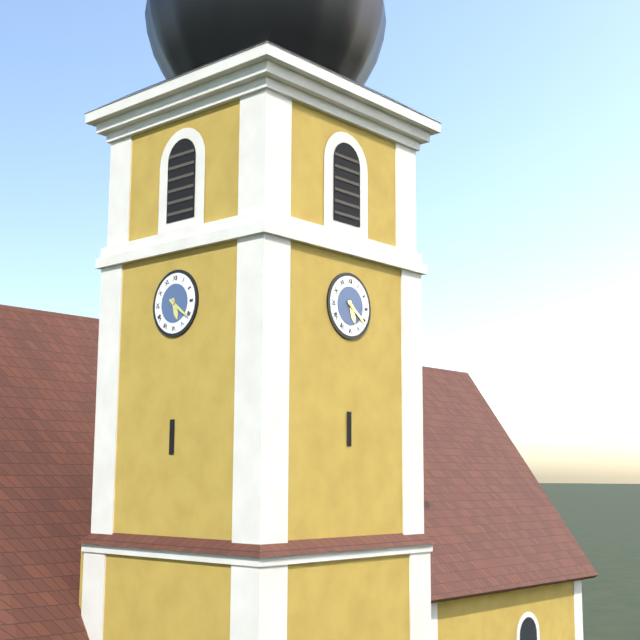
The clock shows 5:21
